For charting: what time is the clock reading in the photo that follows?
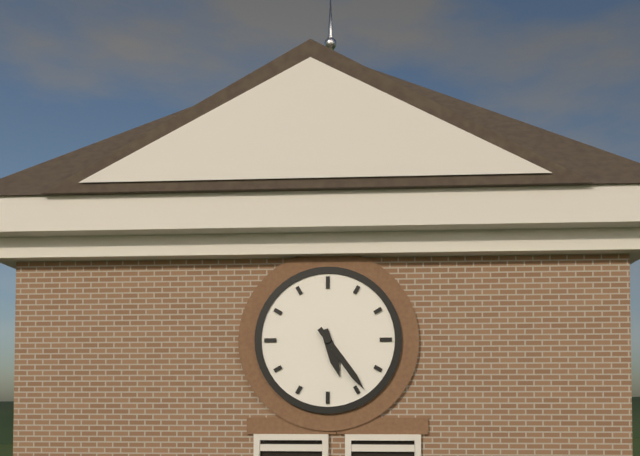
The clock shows 5:24
